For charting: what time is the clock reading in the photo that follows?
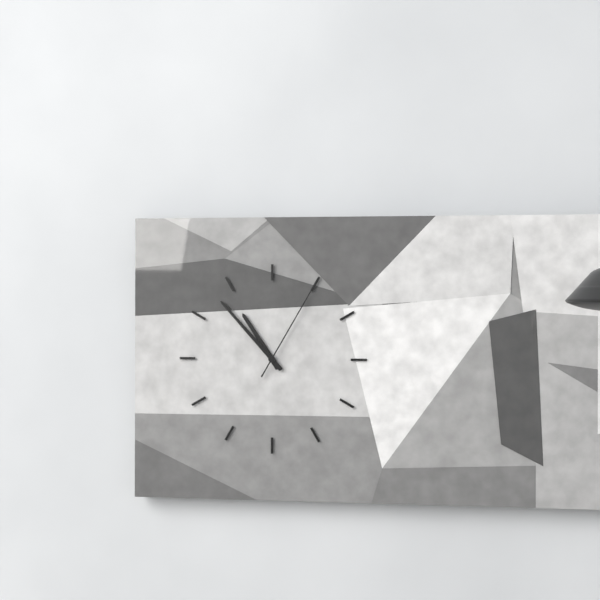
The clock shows 10:53:05
